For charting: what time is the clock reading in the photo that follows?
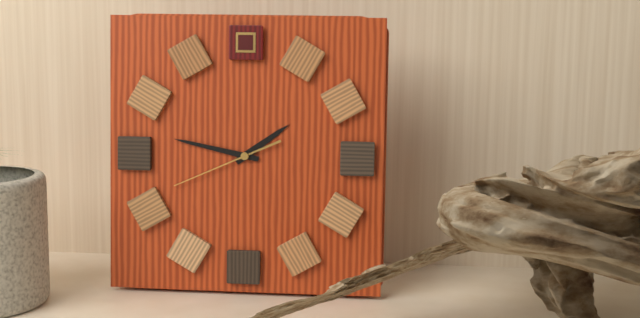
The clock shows 1:47:41
